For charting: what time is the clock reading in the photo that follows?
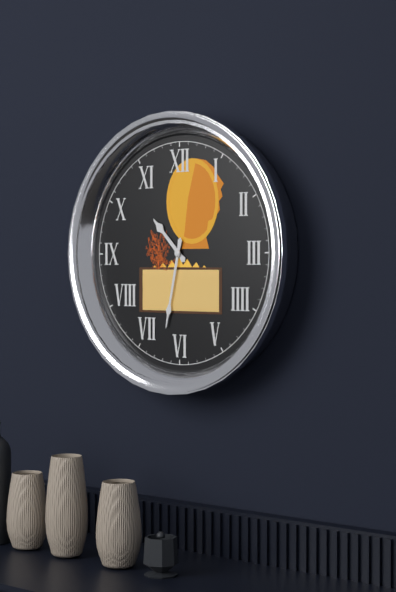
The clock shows 10:32
